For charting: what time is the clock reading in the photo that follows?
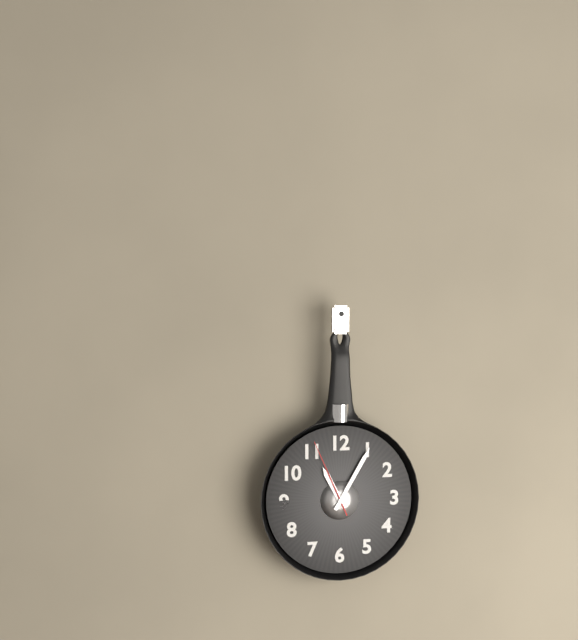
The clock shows 11:05:56
